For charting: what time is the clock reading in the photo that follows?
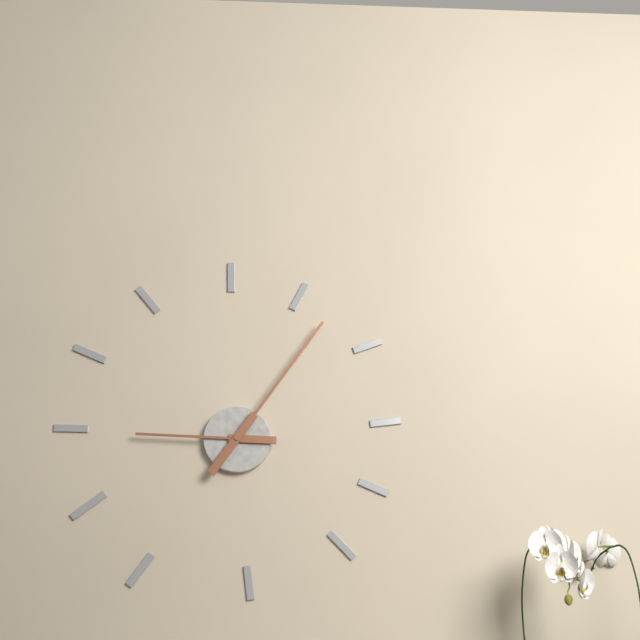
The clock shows 9:06
